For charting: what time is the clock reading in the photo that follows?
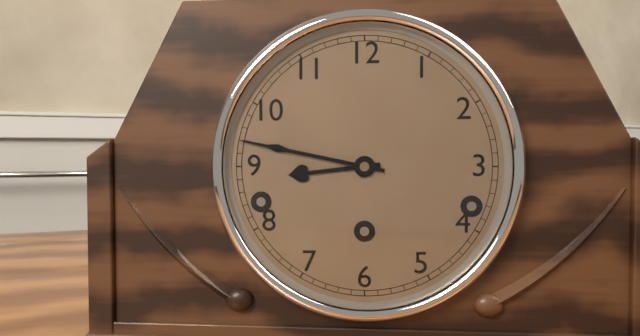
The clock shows 8:47
